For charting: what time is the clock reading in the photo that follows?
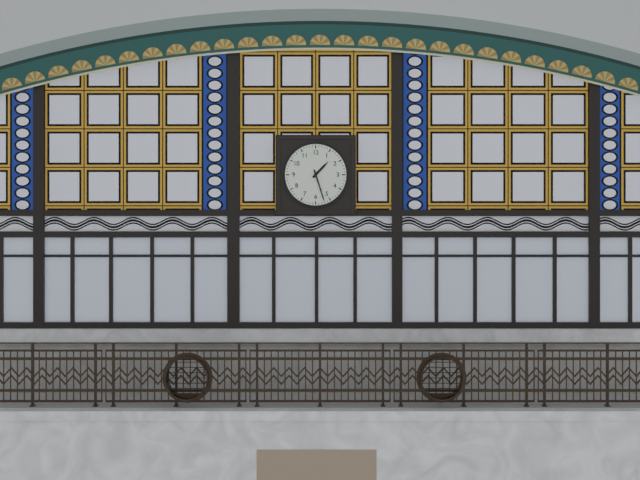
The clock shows 1:27
